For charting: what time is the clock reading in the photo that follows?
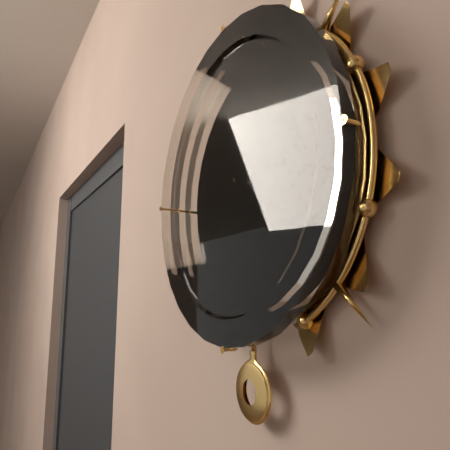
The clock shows 8:02
